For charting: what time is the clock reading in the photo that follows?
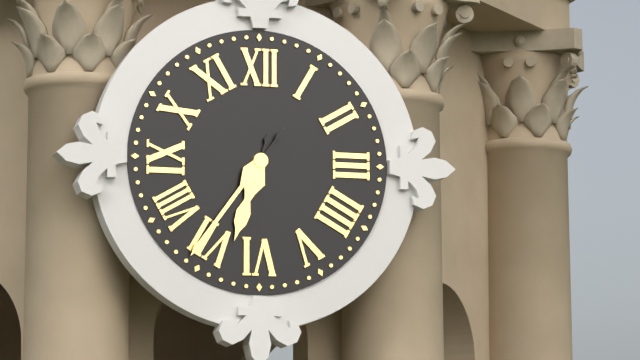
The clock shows 6:36
